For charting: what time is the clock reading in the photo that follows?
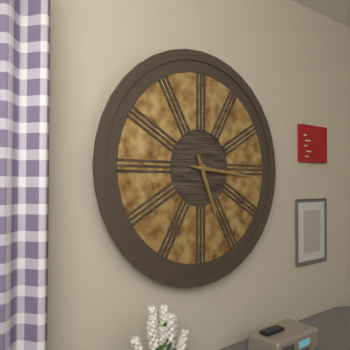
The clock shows 5:16
